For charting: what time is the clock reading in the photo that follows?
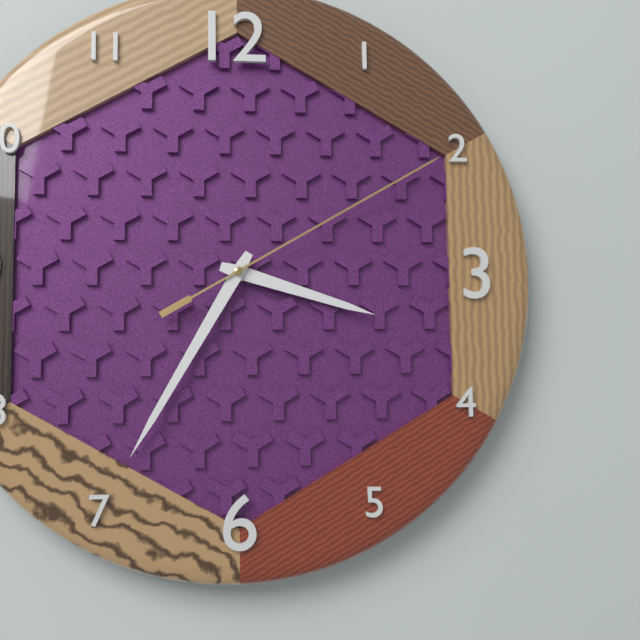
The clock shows 3:35:10
